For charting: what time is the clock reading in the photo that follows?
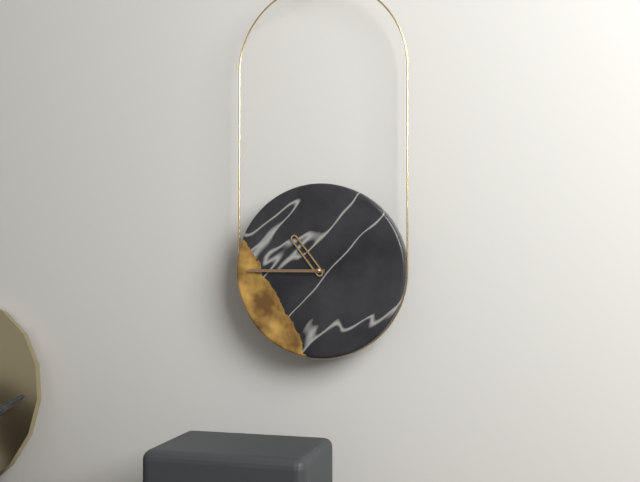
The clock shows 10:45
